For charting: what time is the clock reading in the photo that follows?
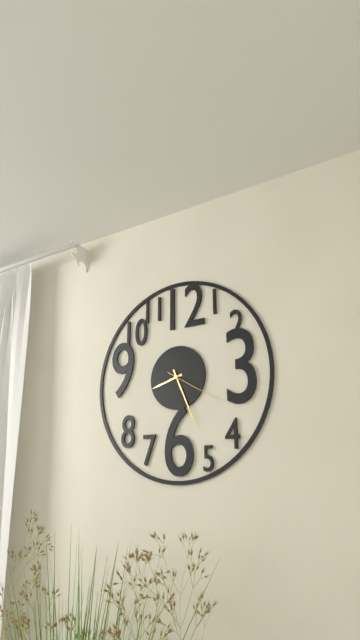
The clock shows 8:26:20
